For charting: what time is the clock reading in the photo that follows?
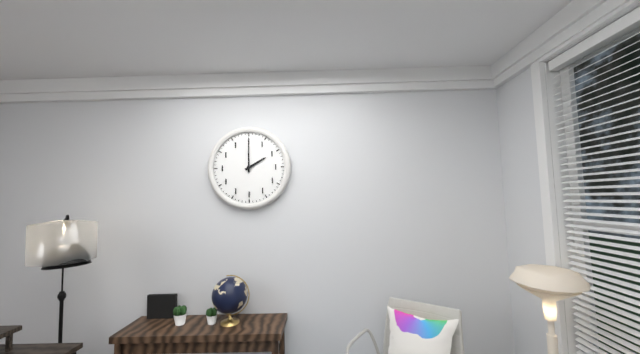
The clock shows 2:00
